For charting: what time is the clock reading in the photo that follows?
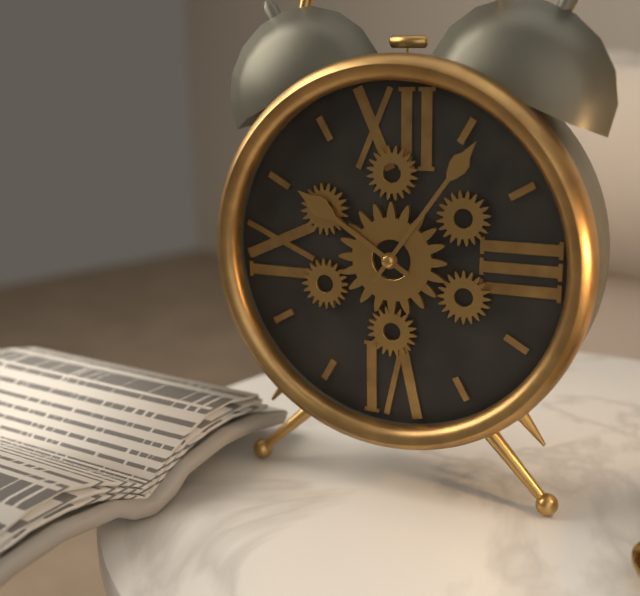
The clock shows 10:06
